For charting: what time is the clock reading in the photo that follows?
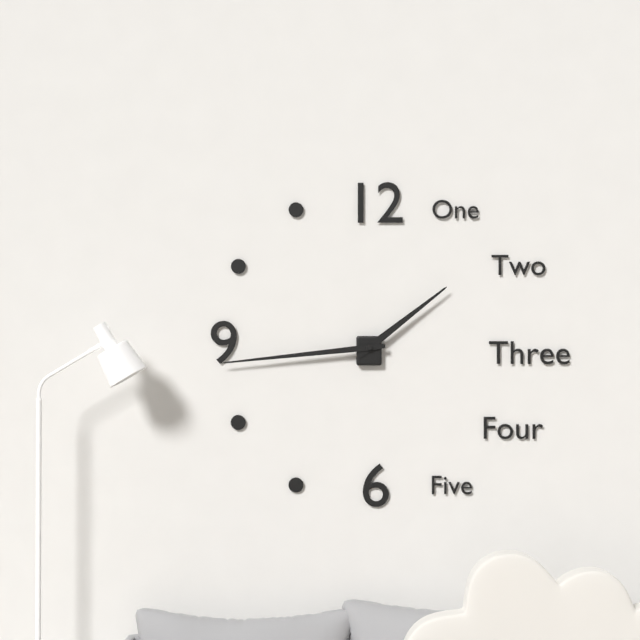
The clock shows 1:44
